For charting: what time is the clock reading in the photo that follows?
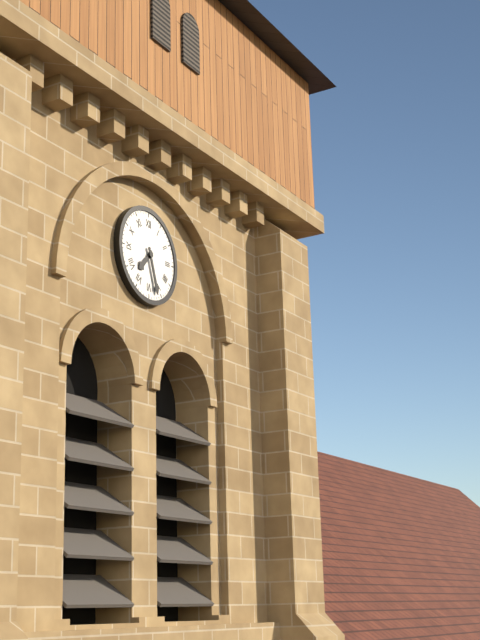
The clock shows 7:27
